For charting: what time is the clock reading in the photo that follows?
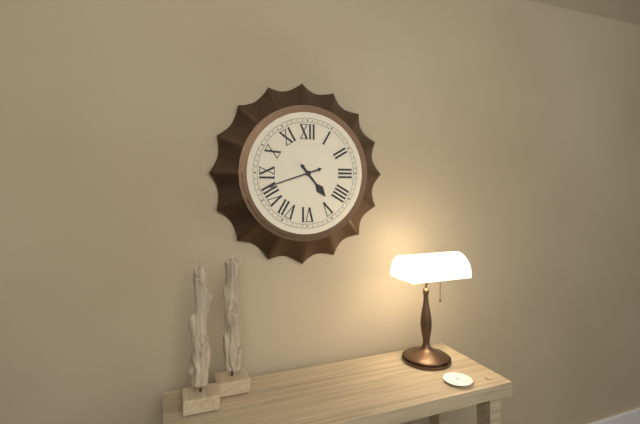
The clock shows 4:42
